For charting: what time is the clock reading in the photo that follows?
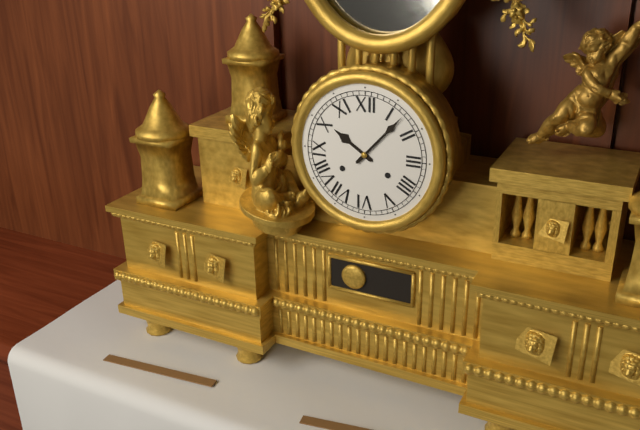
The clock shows 10:07
